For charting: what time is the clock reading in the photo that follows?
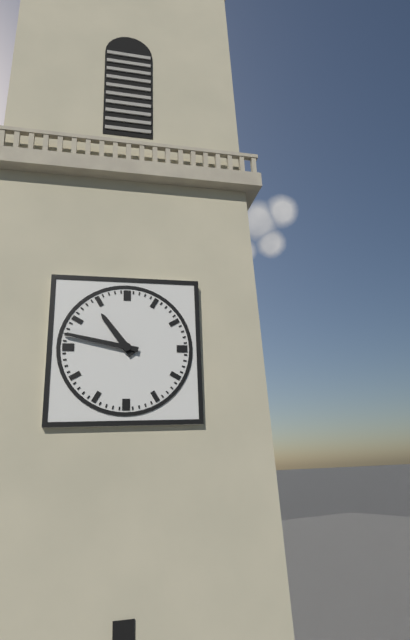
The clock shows 10:47
